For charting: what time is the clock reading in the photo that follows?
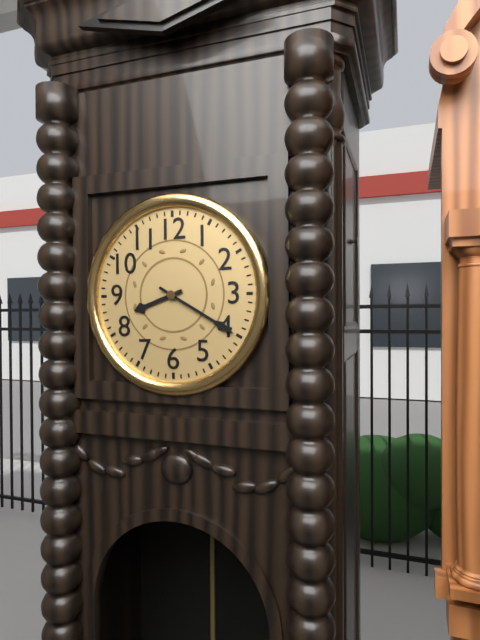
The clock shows 8:20
